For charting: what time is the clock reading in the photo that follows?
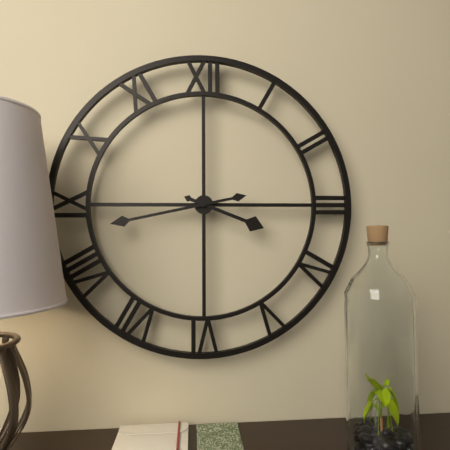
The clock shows 3:43
